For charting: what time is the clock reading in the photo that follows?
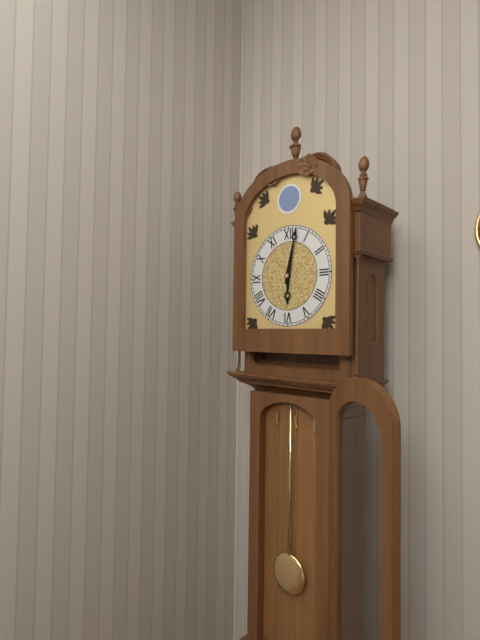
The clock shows 6:02
